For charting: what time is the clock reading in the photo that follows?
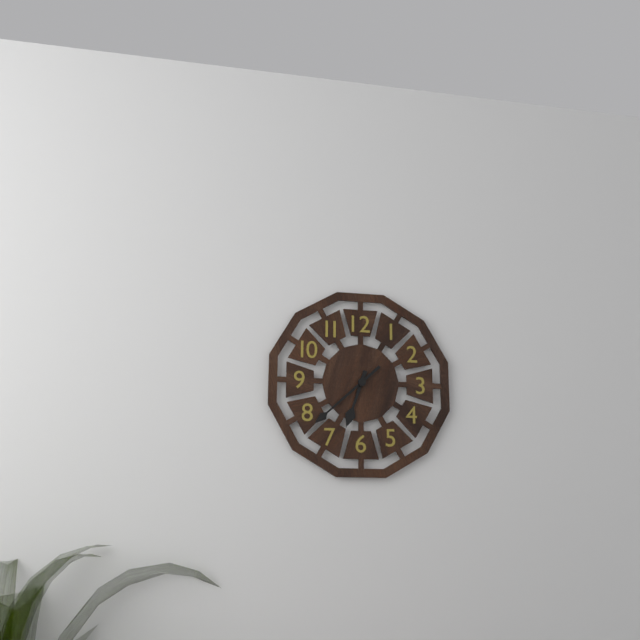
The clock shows 6:38
